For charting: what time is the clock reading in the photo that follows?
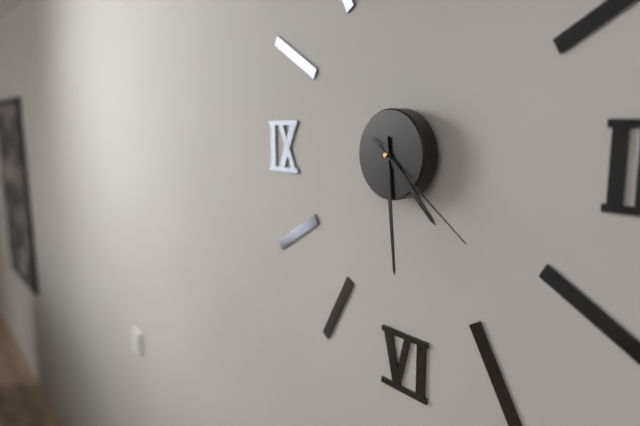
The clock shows 4:29:21
